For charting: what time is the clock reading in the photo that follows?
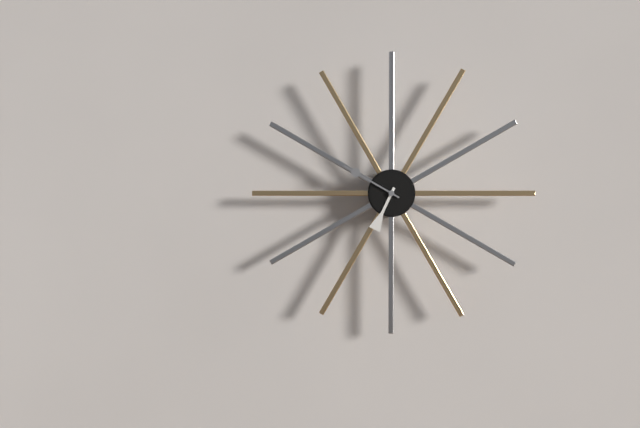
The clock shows 6:50
